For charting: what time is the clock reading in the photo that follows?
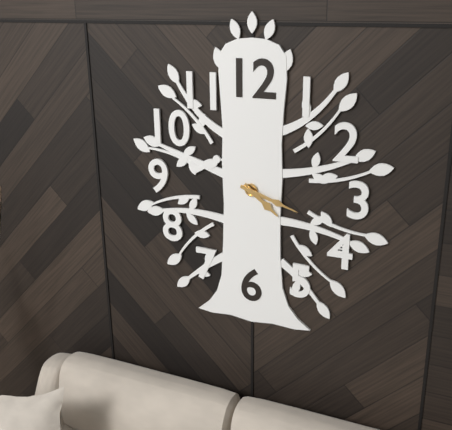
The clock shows 4:18
